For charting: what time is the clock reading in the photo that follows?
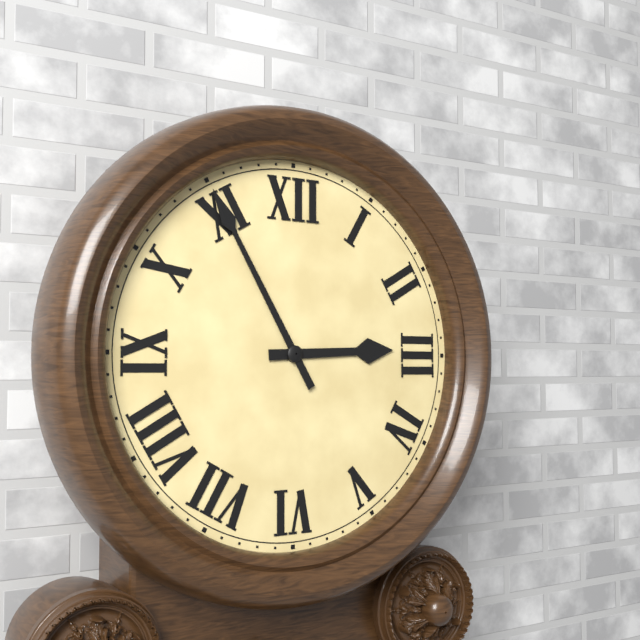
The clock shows 2:55
